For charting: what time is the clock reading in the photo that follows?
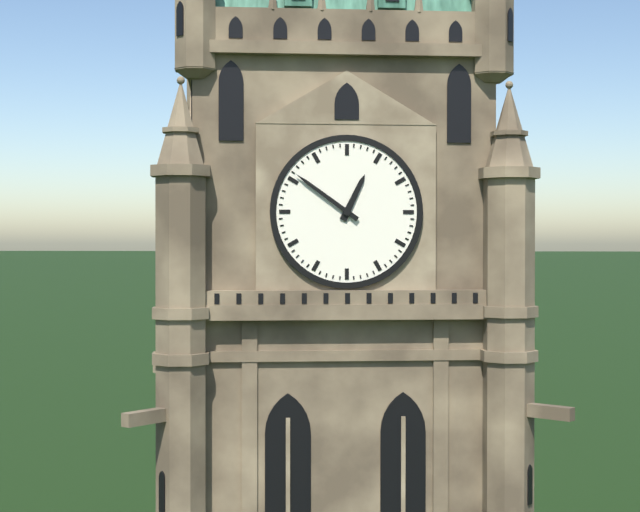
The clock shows 12:51
